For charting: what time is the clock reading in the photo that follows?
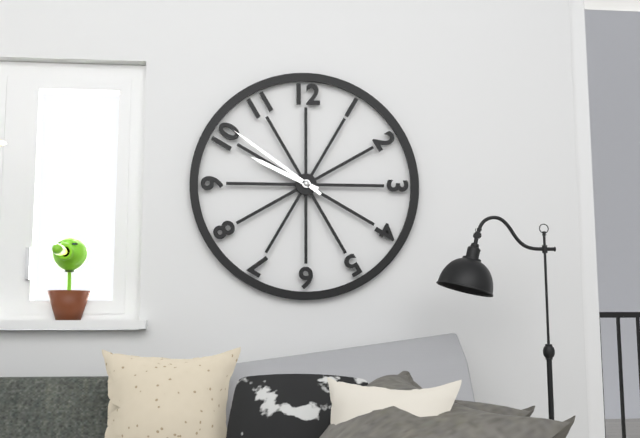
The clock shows 9:51
